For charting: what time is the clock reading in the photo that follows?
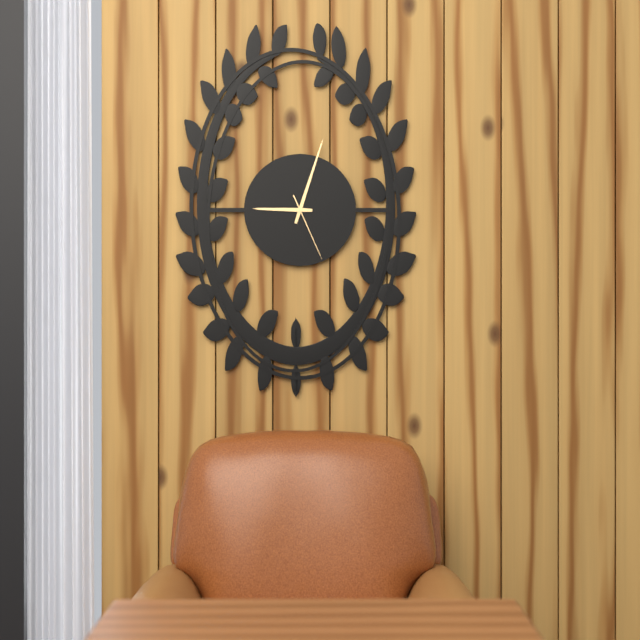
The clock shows 9:03:26
